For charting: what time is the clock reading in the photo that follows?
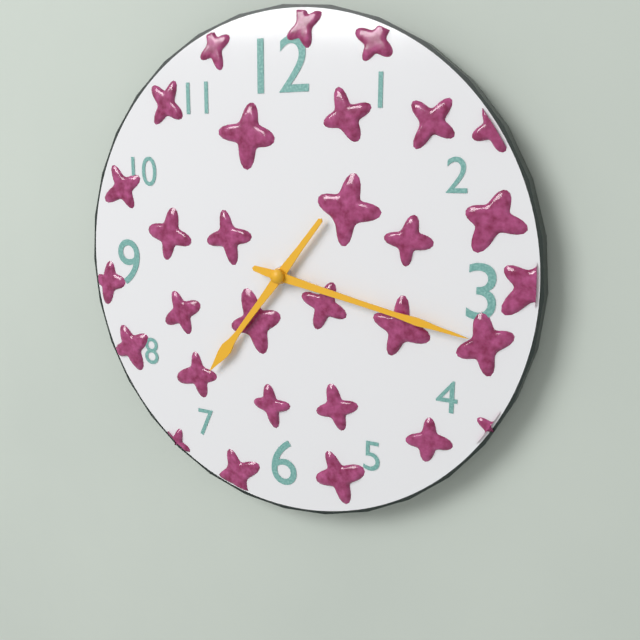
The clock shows 7:17
